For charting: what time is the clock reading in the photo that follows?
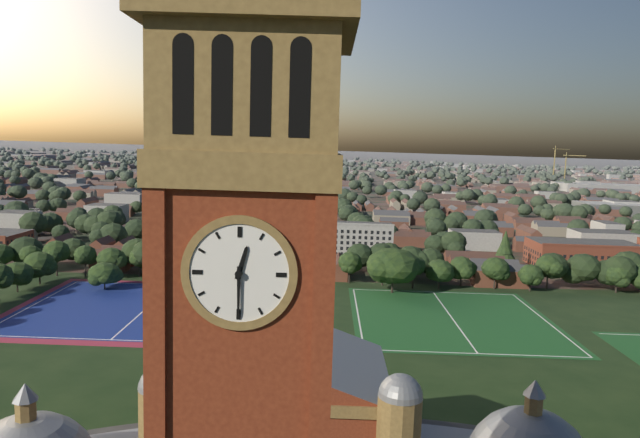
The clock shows 12:30
